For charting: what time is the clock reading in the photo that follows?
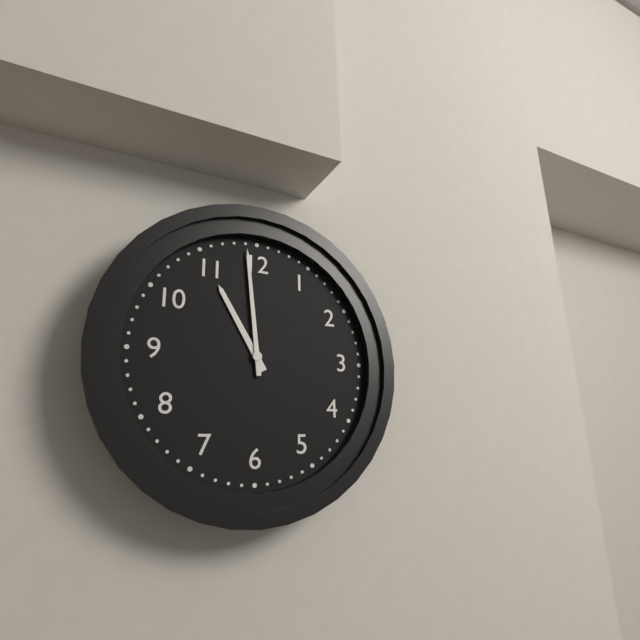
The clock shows 10:59
